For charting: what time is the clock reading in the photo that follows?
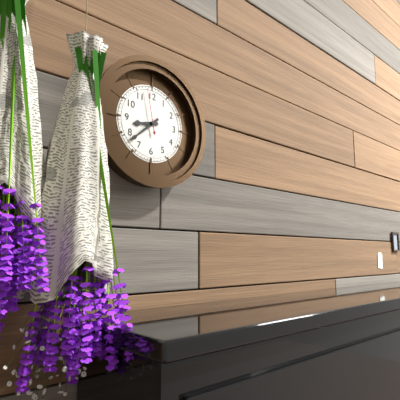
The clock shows 8:38
